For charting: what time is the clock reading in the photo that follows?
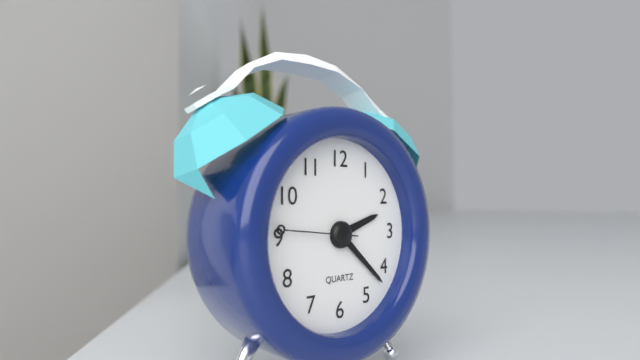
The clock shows 2:22:46
